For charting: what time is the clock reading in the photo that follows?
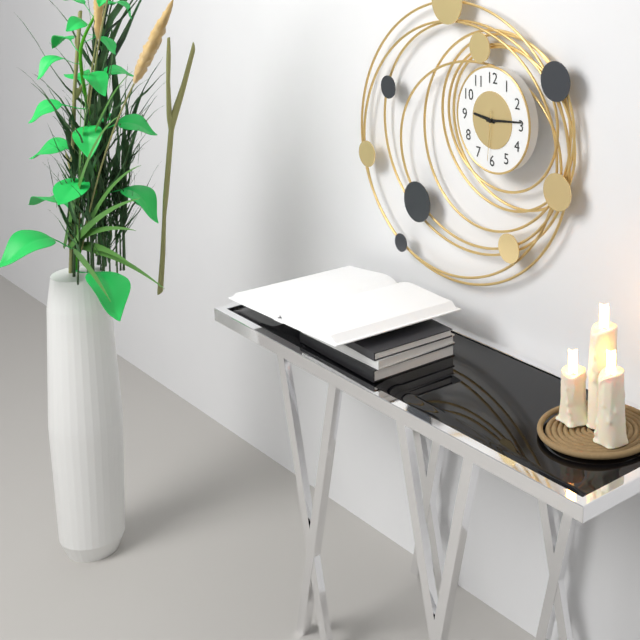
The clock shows 9:14:31
